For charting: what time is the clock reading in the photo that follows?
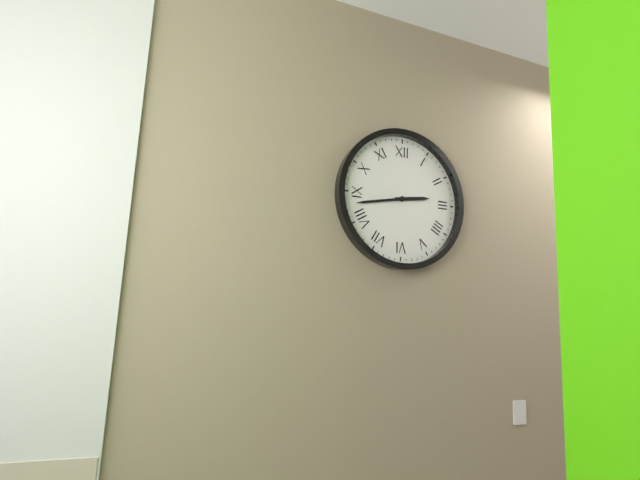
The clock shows 2:43
